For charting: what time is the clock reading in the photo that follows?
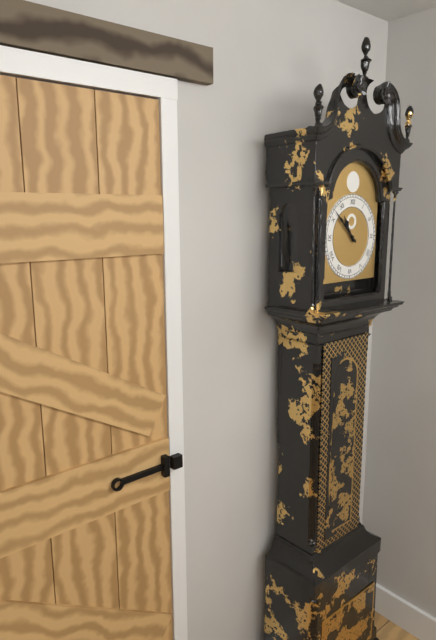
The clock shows 10:52
